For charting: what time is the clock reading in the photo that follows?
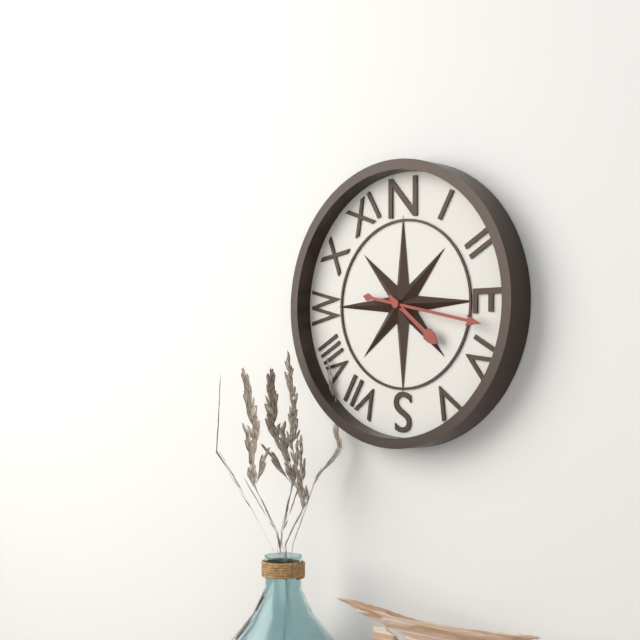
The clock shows 4:17
